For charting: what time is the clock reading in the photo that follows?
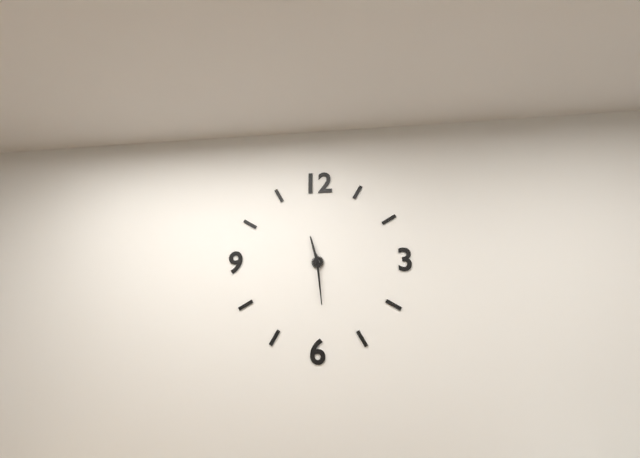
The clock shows 11:29
